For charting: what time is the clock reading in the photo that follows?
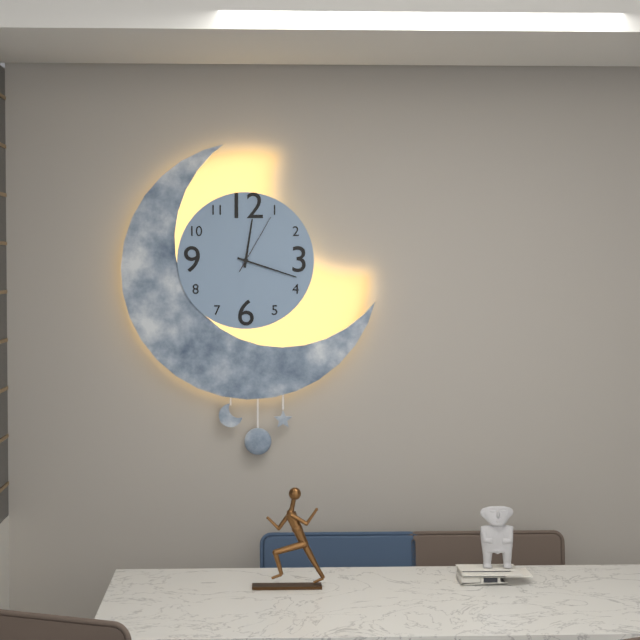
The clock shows 12:18:05
